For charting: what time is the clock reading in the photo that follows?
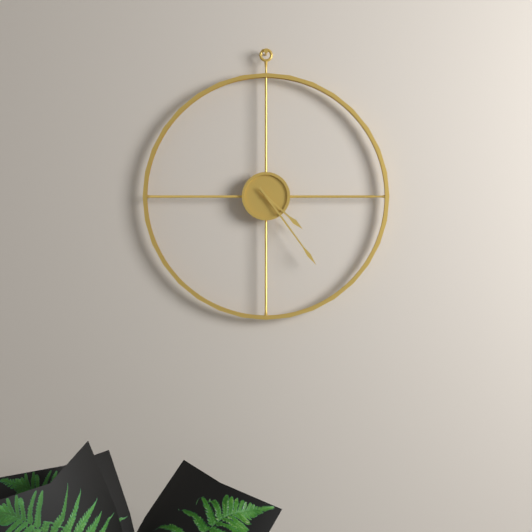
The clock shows 4:24
